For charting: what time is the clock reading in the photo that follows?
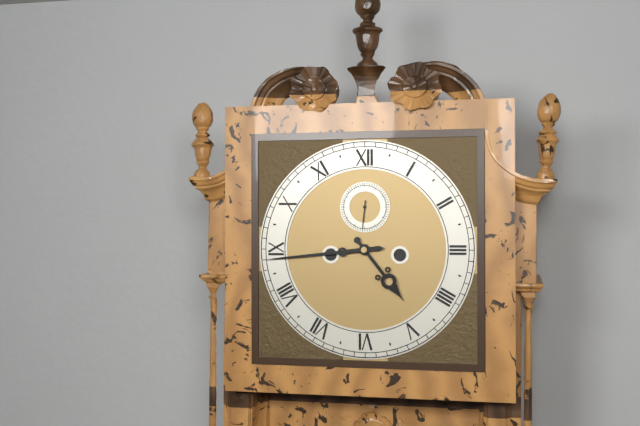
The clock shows 4:44
